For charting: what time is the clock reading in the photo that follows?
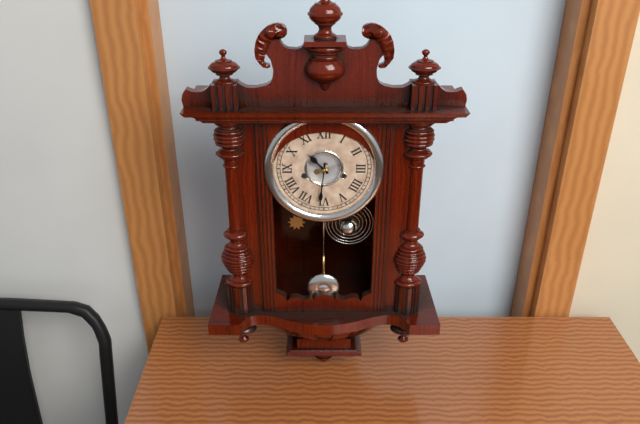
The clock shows 10:31
